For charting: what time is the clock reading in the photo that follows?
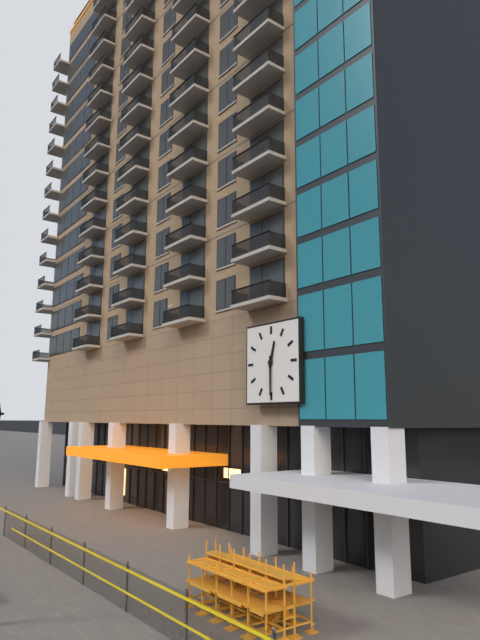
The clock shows 12:30
